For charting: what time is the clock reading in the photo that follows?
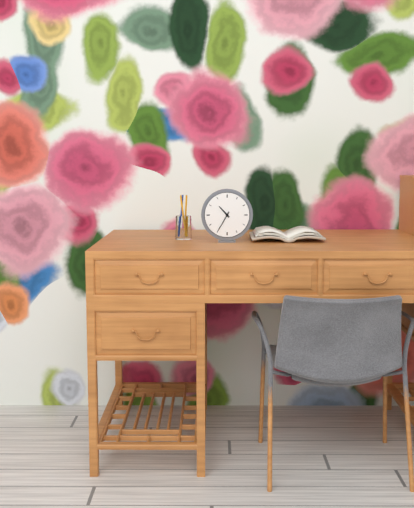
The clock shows 10:35
